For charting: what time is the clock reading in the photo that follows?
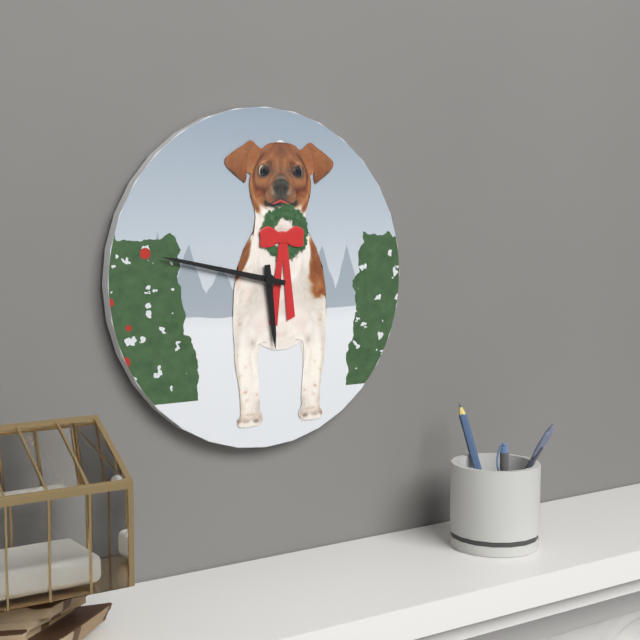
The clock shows 5:47
